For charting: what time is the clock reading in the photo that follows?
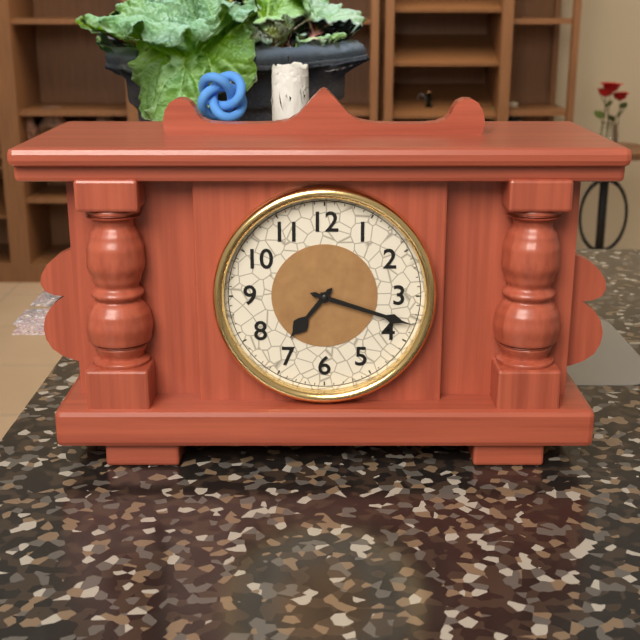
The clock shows 7:18
